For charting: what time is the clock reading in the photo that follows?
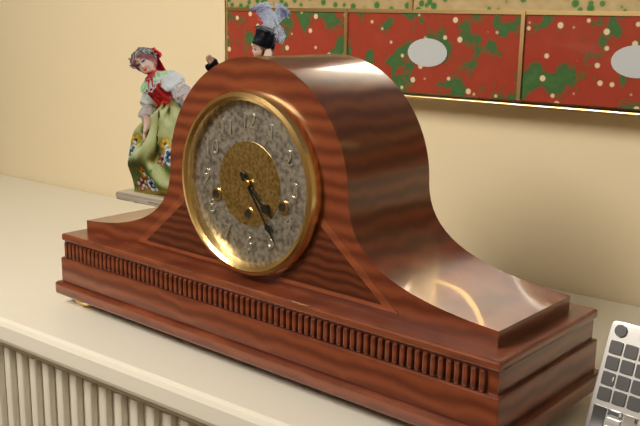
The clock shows 4:24
